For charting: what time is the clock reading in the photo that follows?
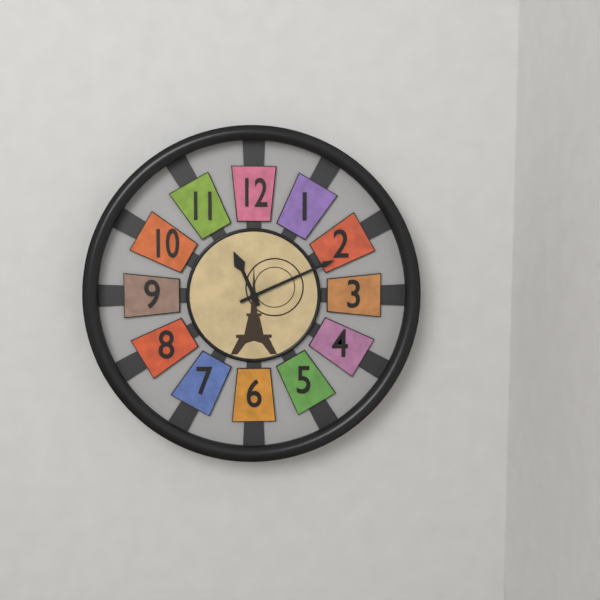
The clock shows 11:11
